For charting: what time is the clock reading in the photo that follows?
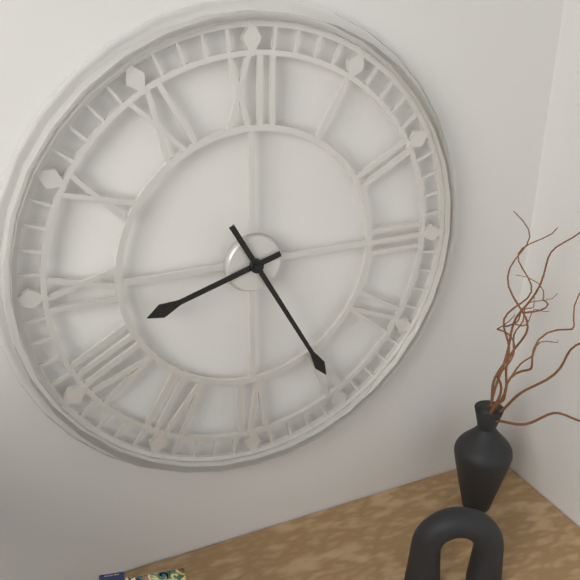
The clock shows 8:25
